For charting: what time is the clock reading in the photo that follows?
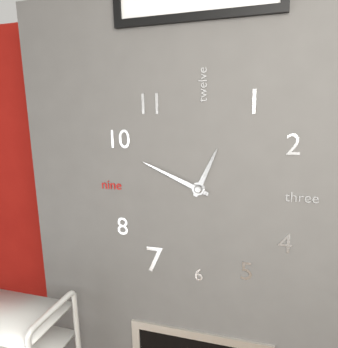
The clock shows 12:49
